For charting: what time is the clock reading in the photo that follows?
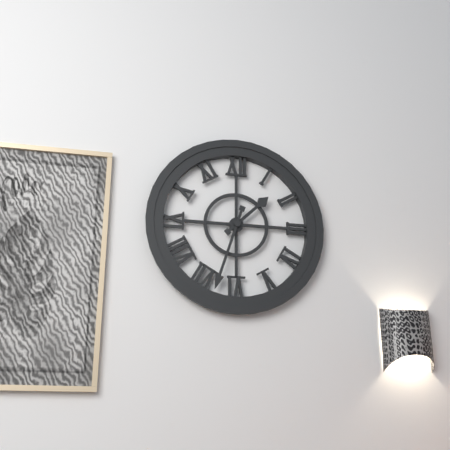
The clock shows 1:33
